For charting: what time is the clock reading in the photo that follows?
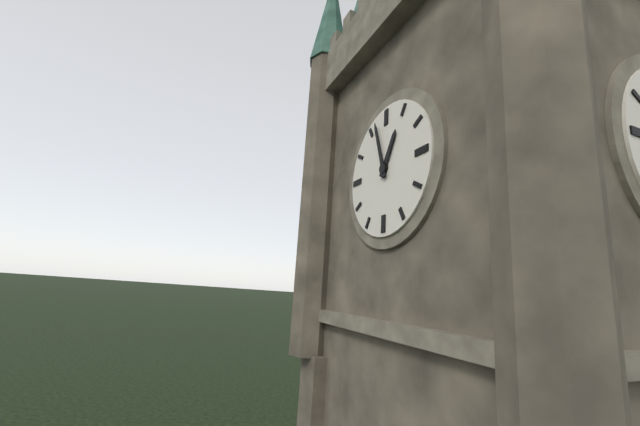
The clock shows 12:57
